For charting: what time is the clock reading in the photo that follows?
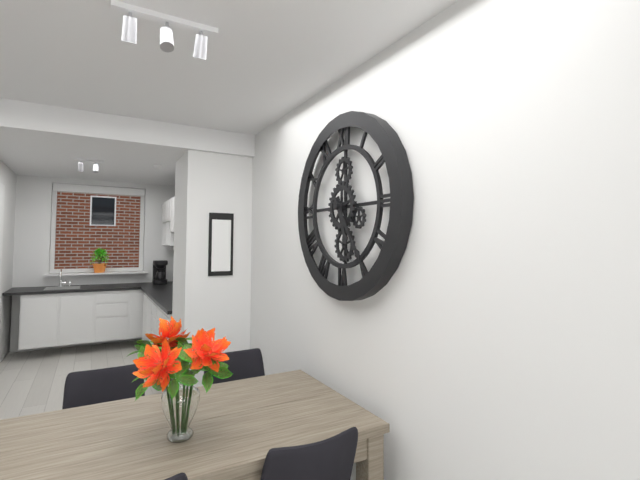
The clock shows 5:24
